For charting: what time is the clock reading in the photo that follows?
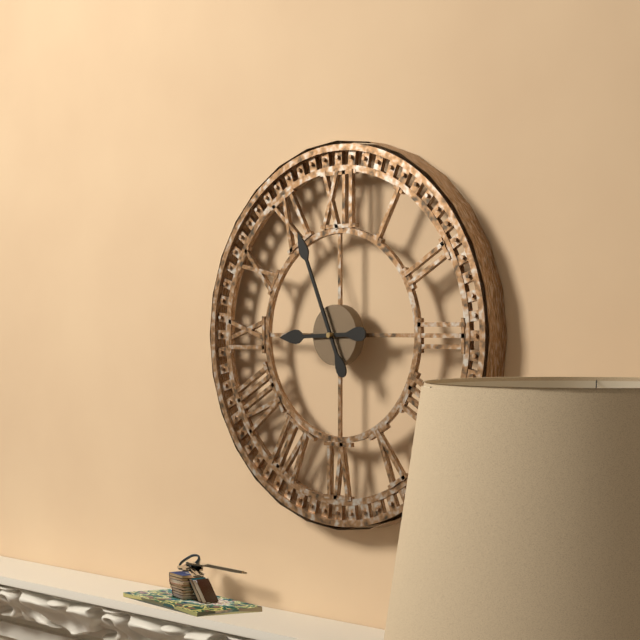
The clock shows 8:56
